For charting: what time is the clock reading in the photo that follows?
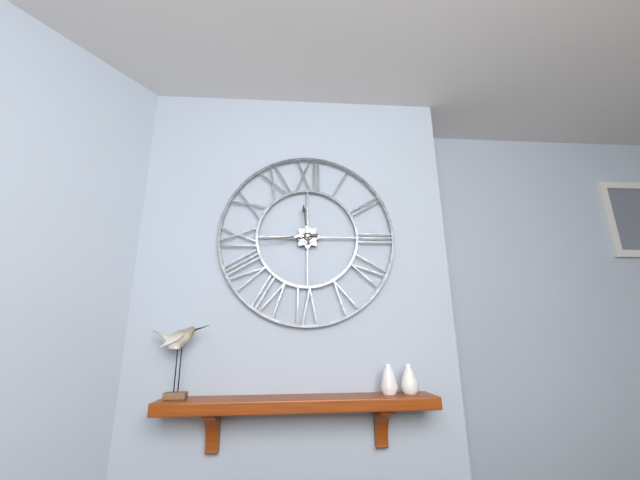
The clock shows 11:44
